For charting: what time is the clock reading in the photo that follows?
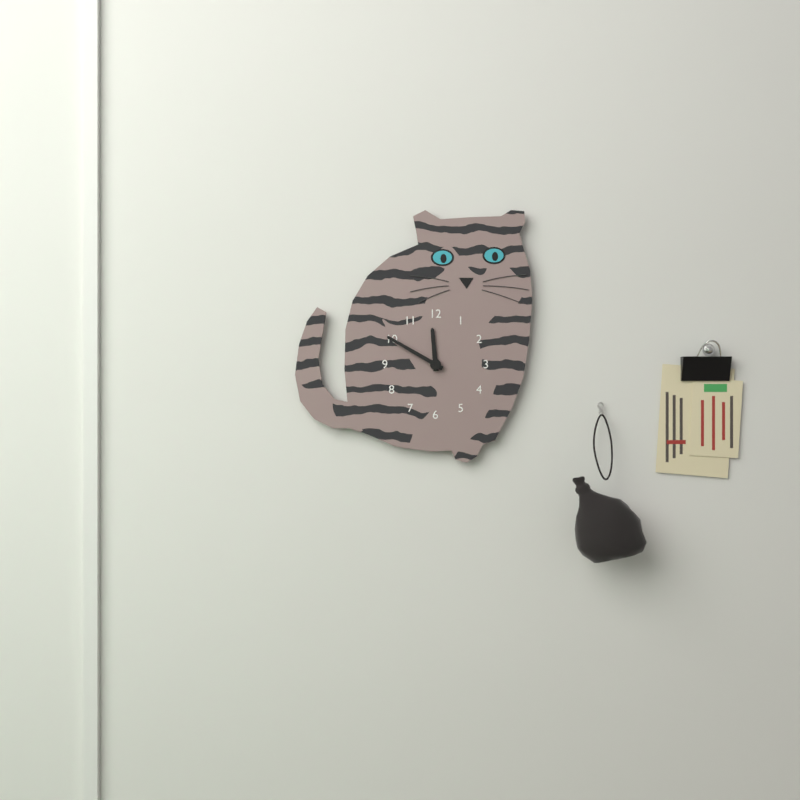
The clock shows 11:50
